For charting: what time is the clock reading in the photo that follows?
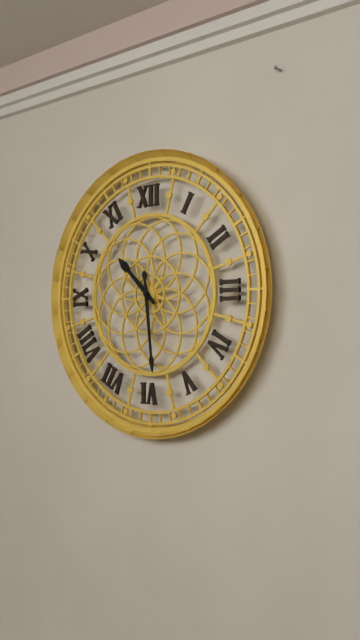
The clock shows 10:29
